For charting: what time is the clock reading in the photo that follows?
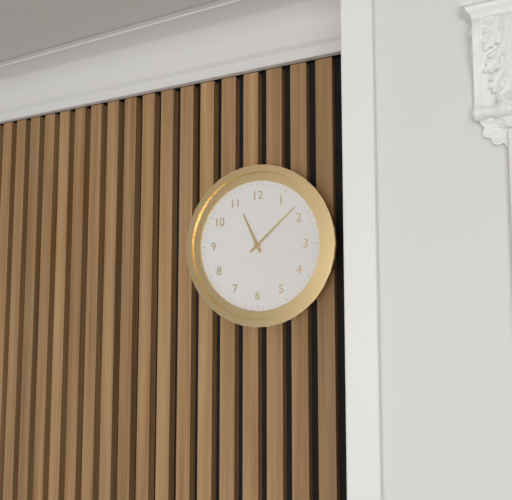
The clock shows 11:08
